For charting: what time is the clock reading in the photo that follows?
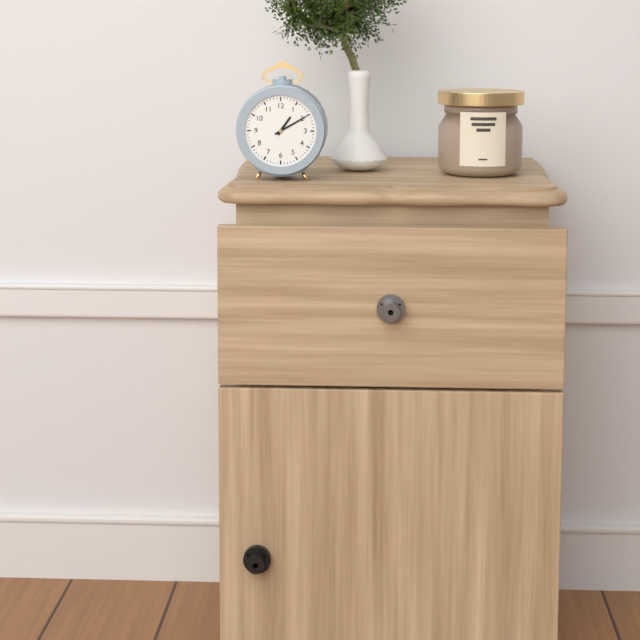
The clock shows 1:10
